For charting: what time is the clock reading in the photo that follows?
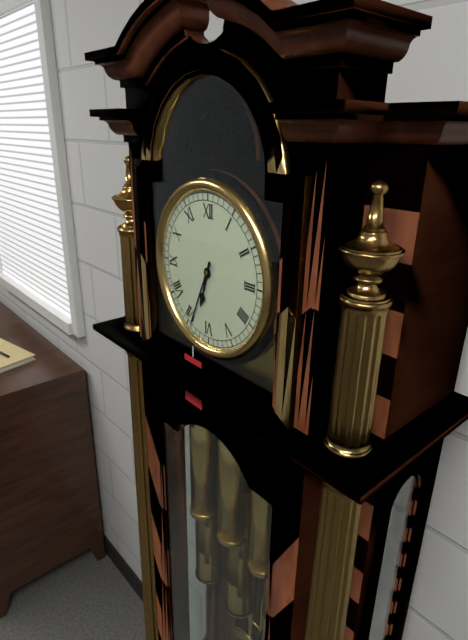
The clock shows 6:34
